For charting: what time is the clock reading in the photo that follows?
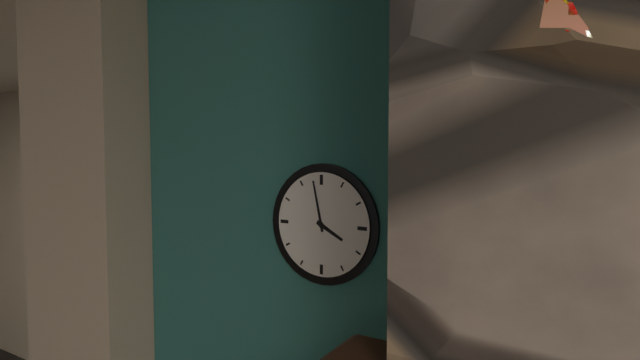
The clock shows 3:58
